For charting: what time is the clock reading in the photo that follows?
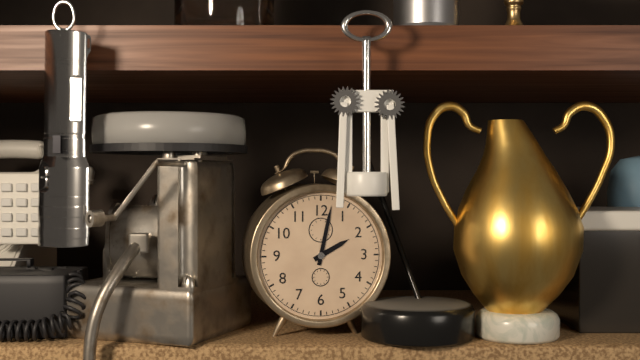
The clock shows 2:02
